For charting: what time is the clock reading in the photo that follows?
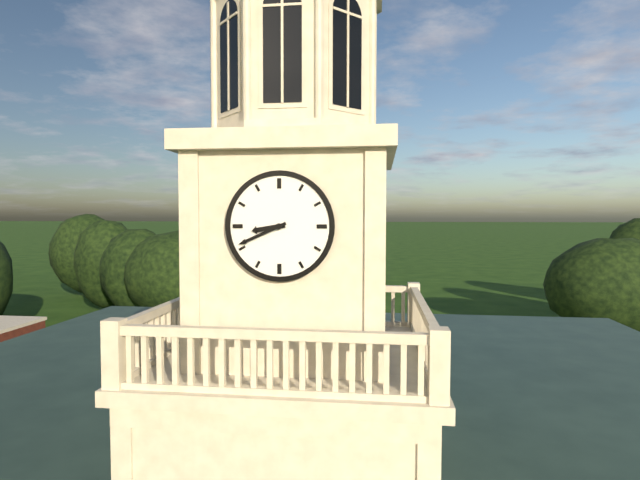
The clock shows 8:41
